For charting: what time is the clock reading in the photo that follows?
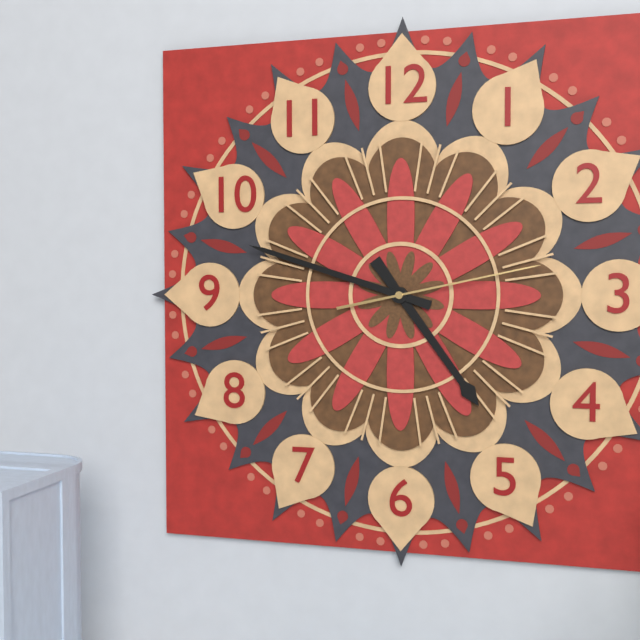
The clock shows 4:48:13
